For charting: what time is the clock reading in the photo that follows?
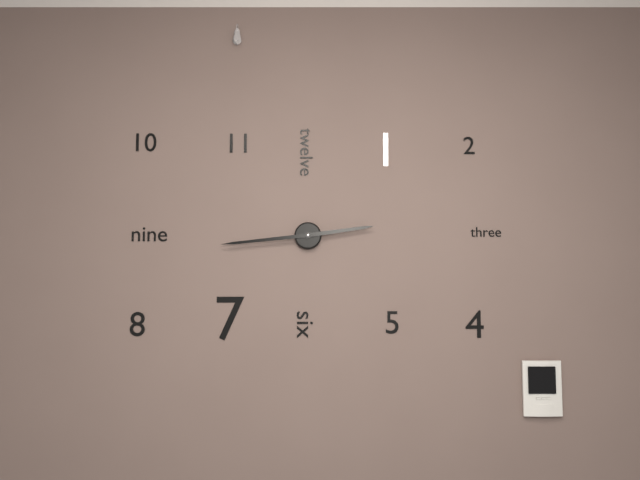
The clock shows 2:44
